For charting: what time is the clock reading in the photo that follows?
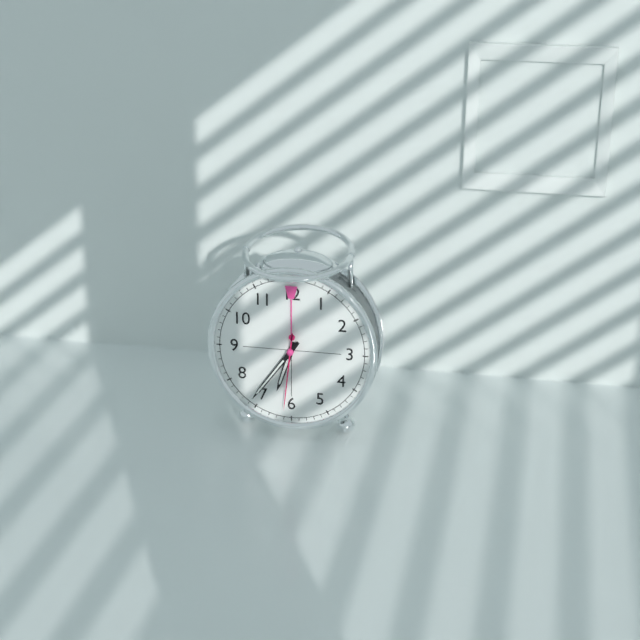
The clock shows 6:36:31
